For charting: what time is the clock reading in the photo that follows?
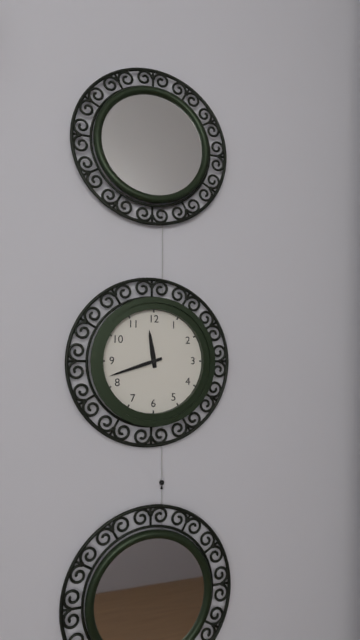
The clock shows 11:42
